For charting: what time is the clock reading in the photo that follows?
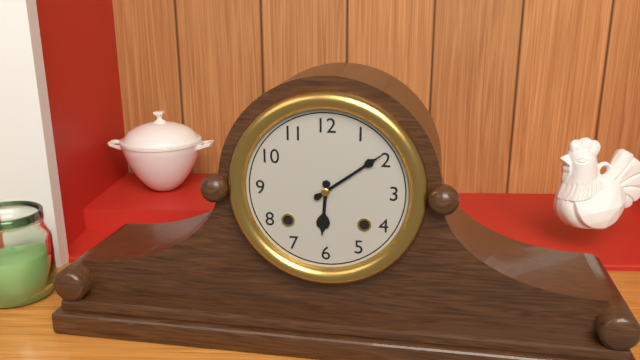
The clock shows 6:09
